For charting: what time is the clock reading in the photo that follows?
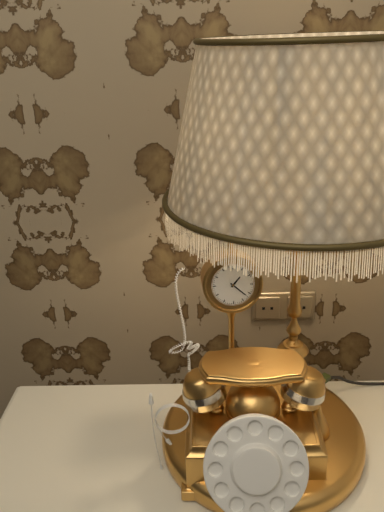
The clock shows 1:22
